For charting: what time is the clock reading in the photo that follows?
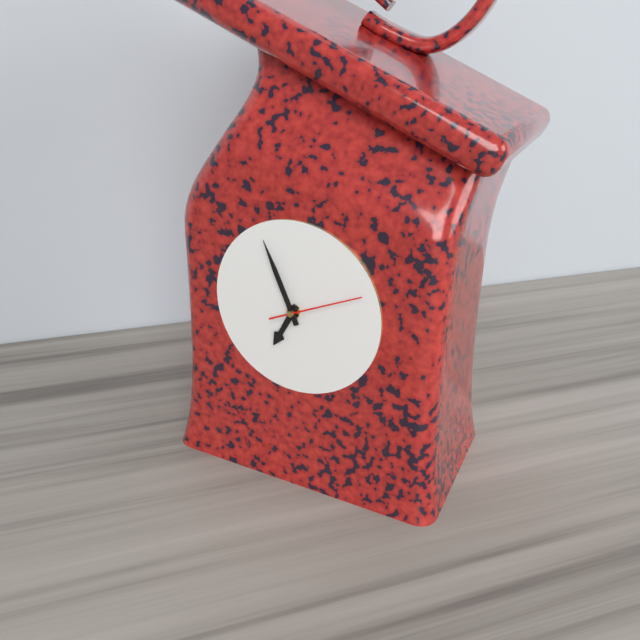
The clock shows 6:56:11
